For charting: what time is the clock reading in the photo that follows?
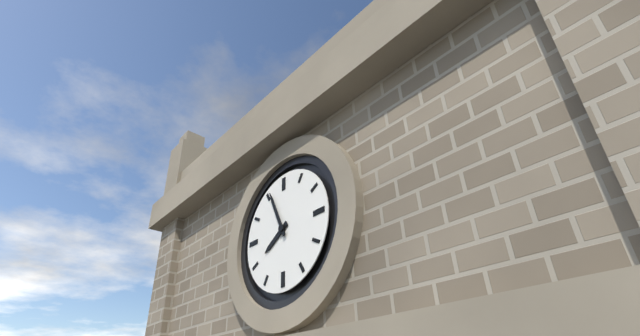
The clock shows 7:56
